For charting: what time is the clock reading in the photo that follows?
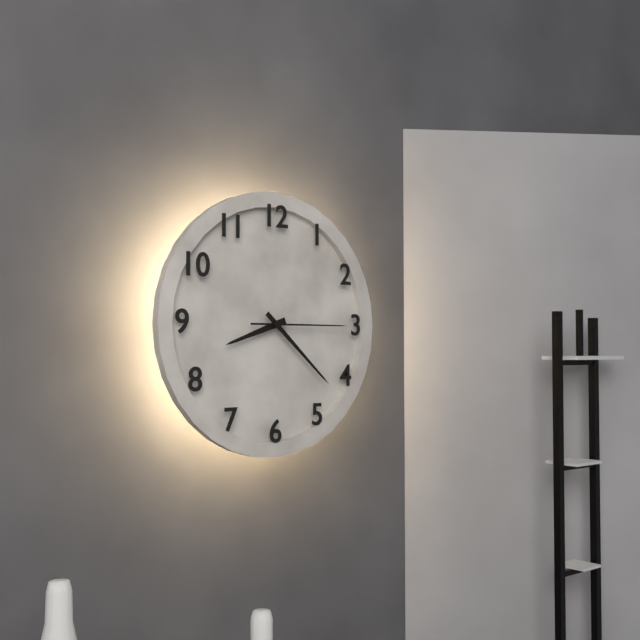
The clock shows 8:22:15
